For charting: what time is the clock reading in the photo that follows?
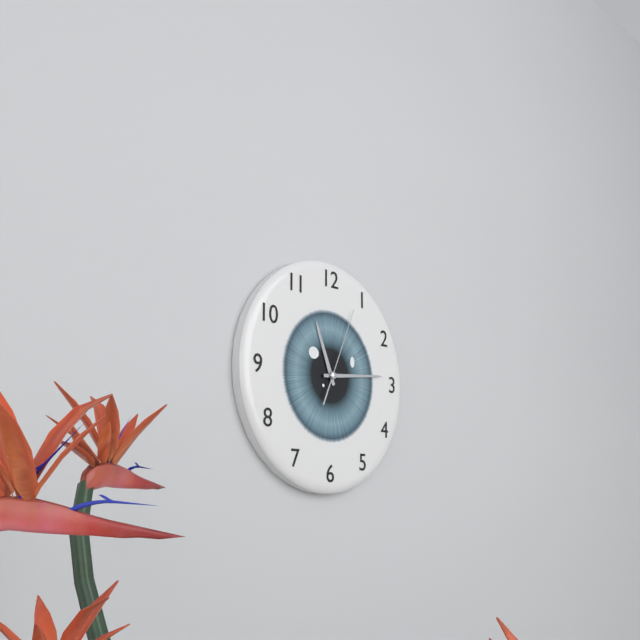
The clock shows 11:14:04
